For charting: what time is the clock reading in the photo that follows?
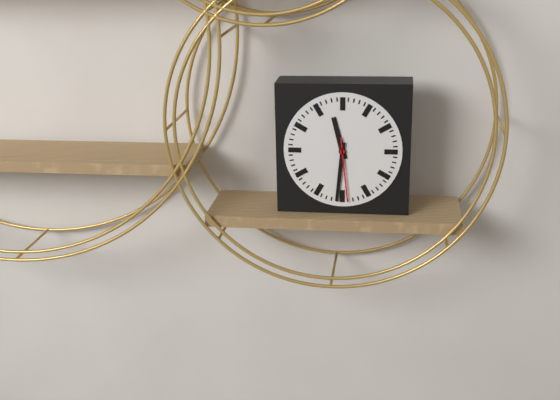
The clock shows 11:31:29
